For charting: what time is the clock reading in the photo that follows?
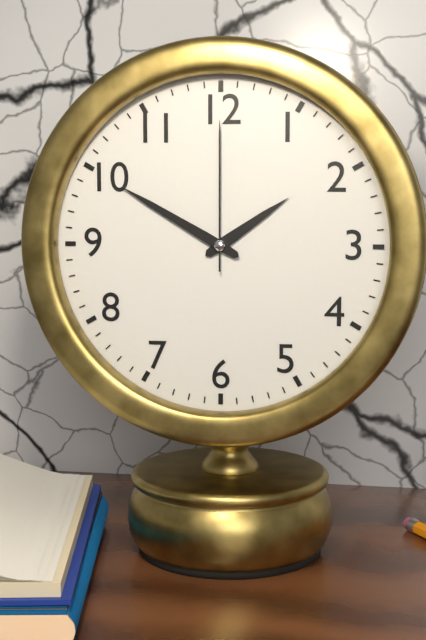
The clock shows 1:50:00
